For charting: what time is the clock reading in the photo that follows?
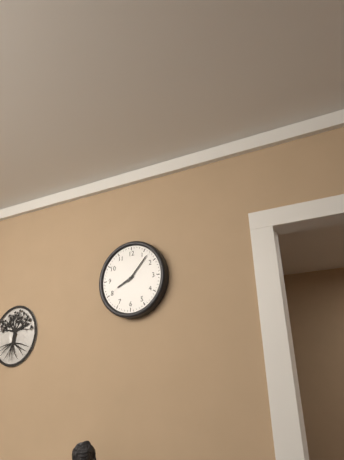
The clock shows 8:07
